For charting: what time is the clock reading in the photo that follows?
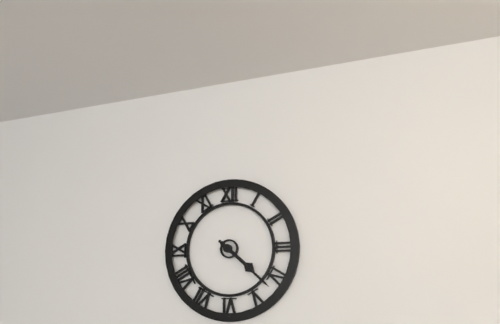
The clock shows 4:22
